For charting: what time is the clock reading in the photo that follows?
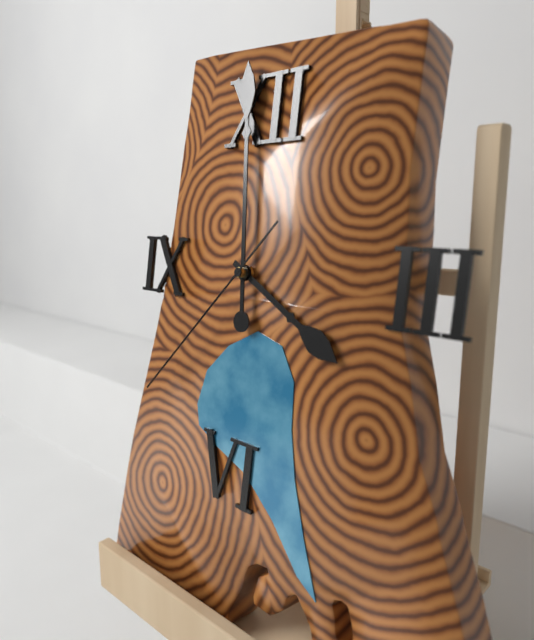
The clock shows 3:59:37
